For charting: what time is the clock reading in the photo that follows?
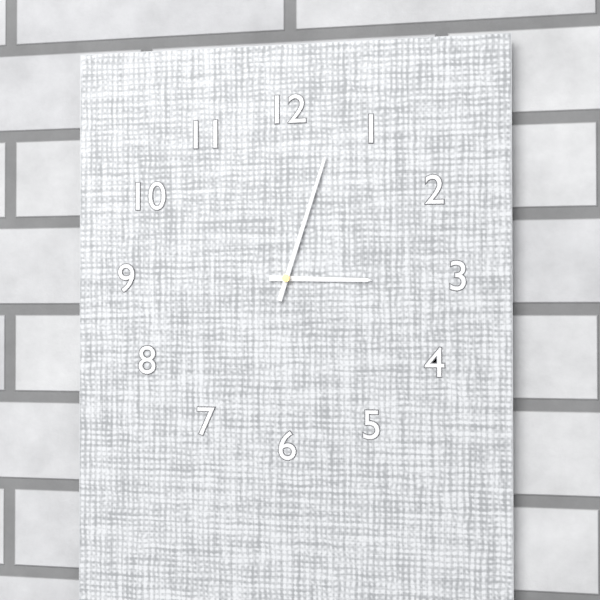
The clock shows 3:03
